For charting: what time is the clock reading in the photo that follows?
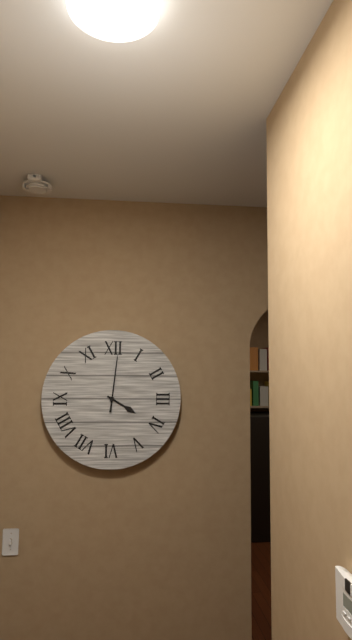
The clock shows 4:01
